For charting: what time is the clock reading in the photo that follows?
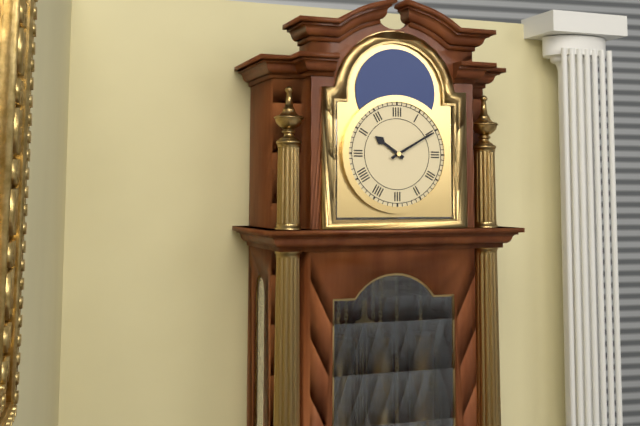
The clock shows 10:10
